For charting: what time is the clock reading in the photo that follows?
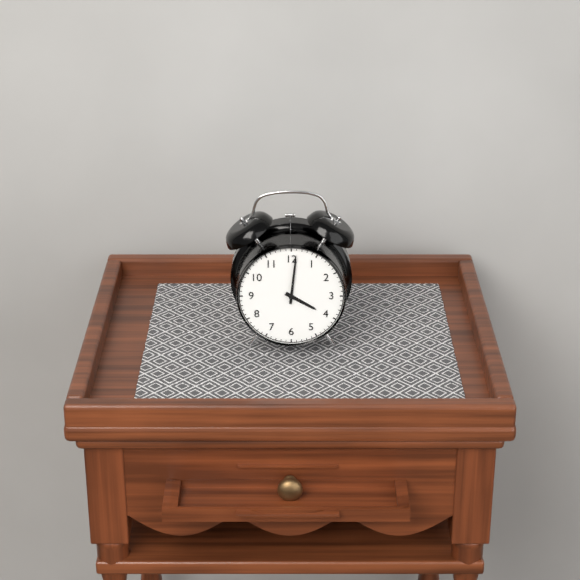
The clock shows 4:01
